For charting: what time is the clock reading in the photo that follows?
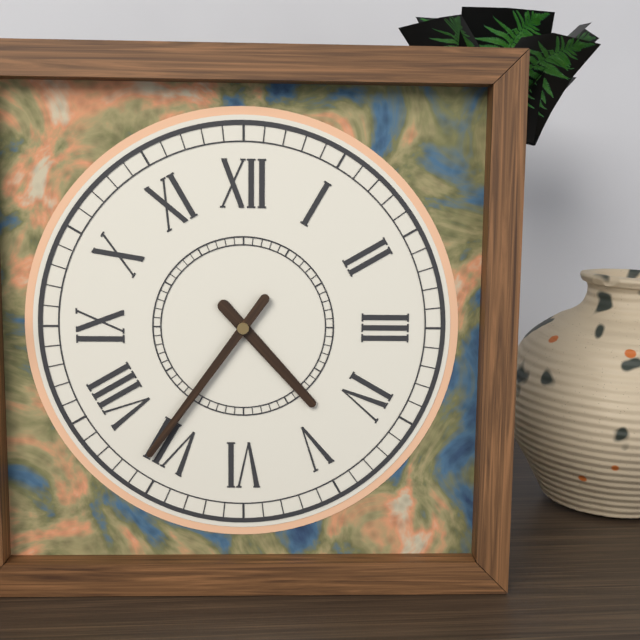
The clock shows 4:36
